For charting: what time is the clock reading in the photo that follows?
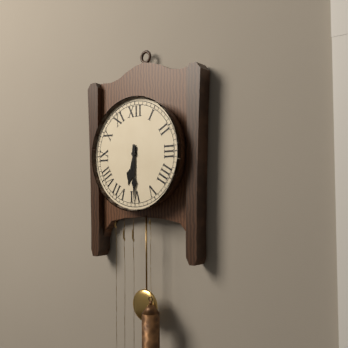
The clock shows 6:30
